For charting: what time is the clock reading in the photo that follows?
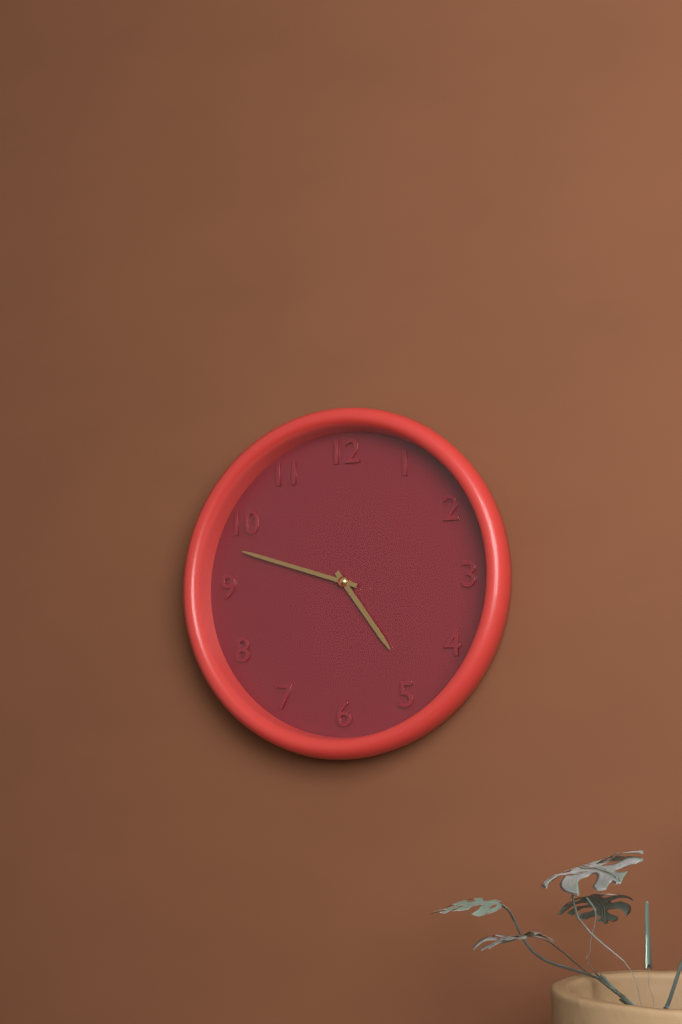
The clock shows 4:48
